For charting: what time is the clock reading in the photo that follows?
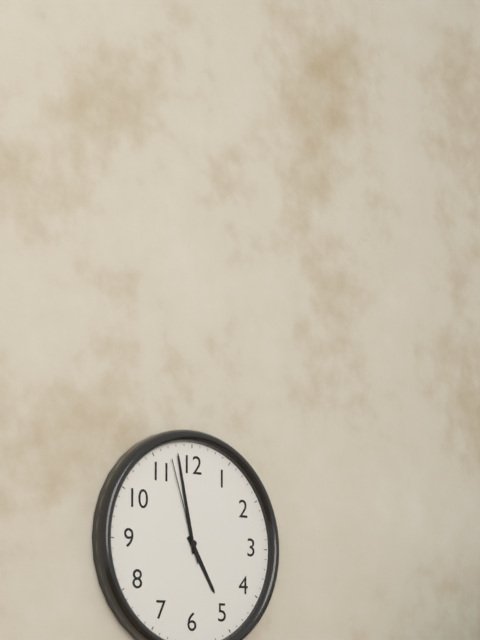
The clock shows 4:58:57
